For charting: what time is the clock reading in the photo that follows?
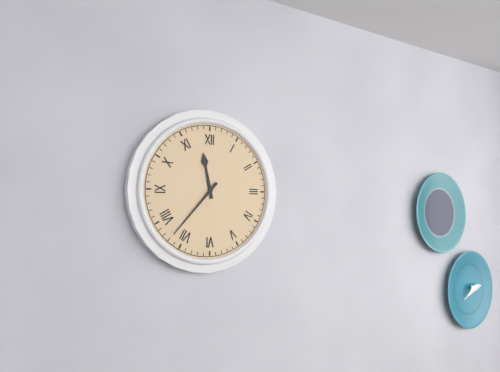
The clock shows 11:37
